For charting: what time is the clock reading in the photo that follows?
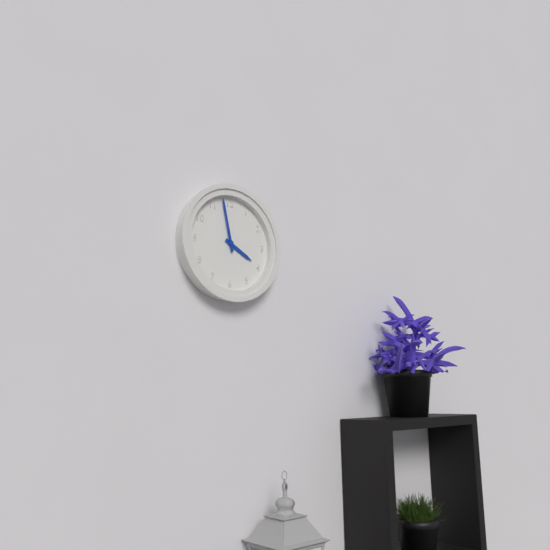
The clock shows 3:58
